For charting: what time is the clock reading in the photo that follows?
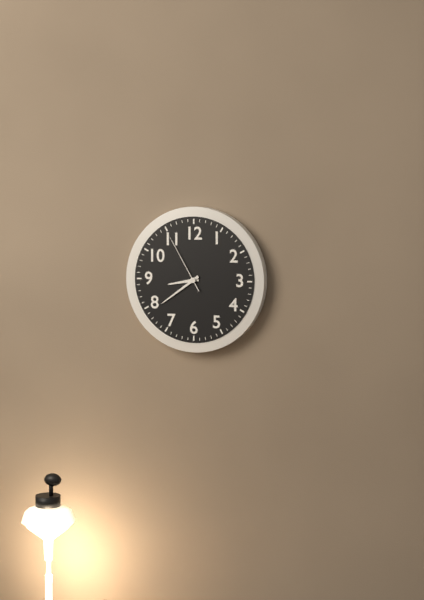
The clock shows 8:39:55
